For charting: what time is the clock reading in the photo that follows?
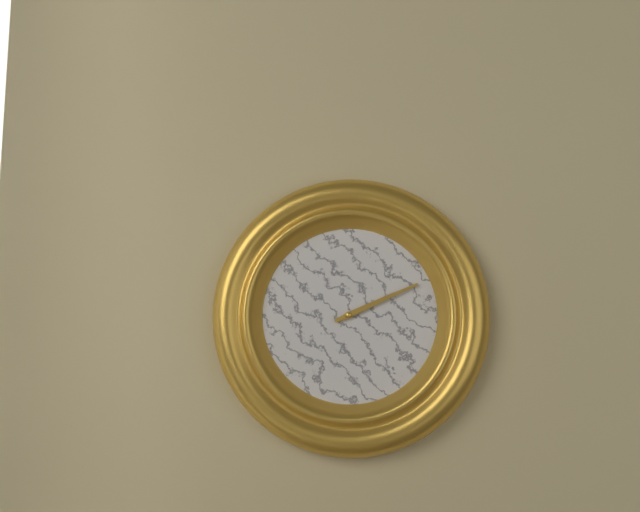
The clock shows 2:11
